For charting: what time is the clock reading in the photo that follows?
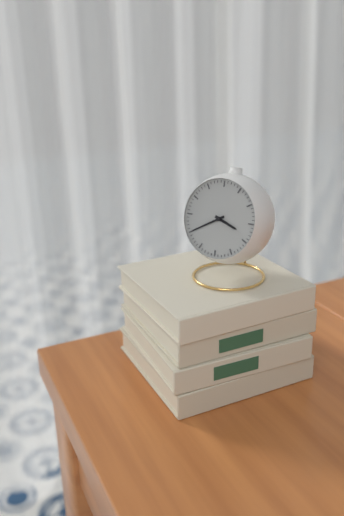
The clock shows 3:40
